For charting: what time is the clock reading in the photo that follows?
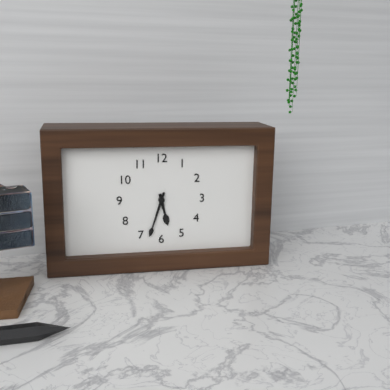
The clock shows 5:33
